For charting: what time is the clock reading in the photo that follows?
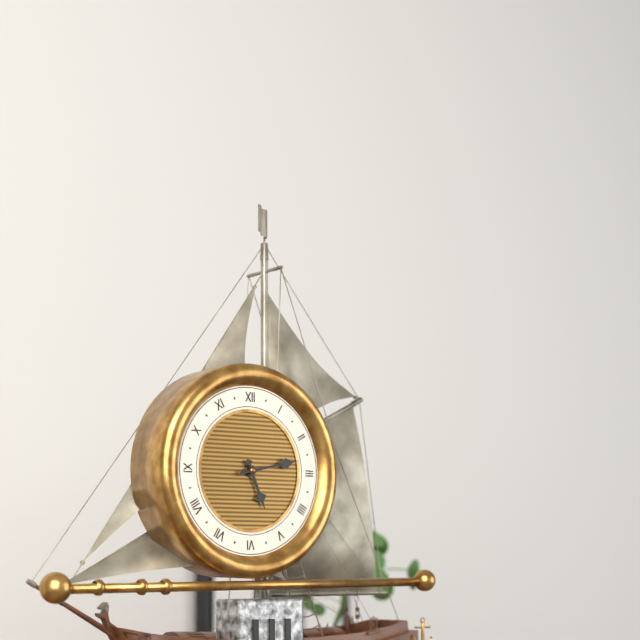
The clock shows 5:13
